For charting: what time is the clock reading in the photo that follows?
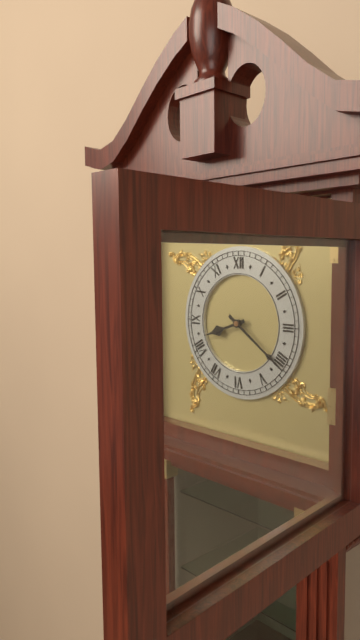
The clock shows 8:21
